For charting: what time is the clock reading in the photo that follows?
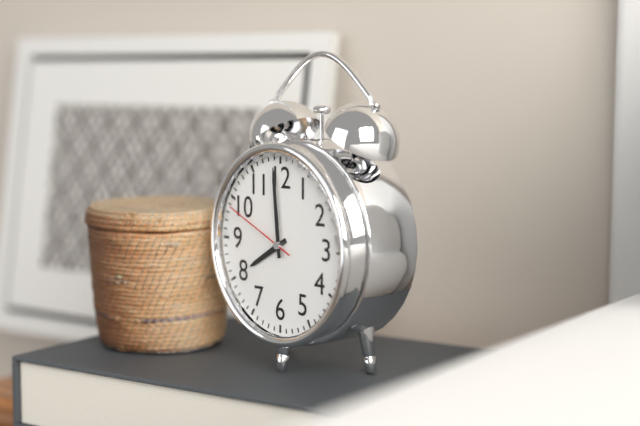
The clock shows 7:59:49
